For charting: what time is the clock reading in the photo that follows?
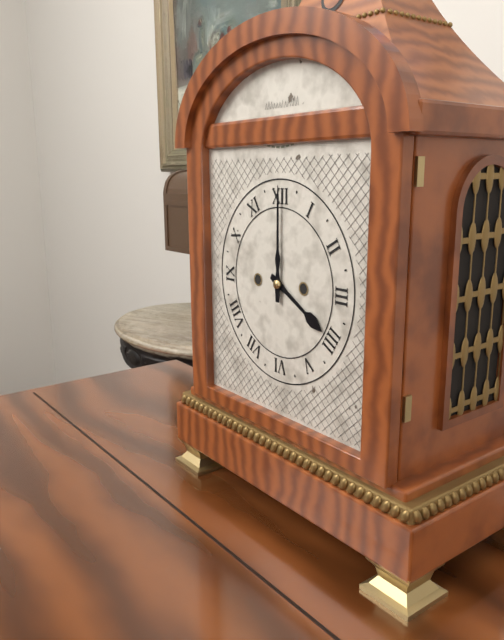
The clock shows 4:00
